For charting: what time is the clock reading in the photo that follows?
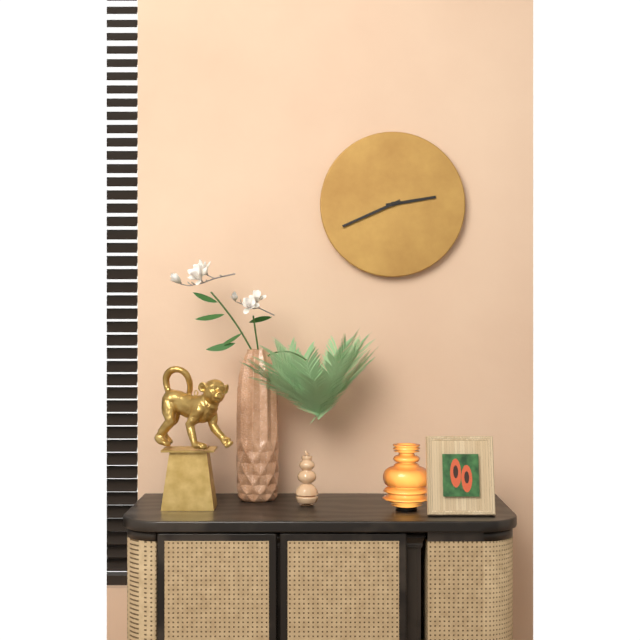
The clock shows 2:41
